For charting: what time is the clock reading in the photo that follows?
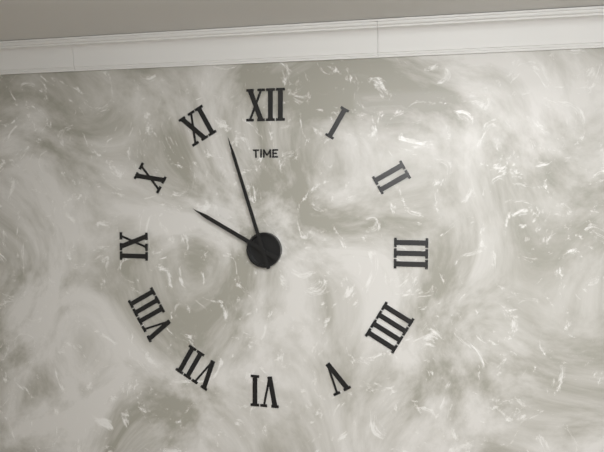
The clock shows 9:57
